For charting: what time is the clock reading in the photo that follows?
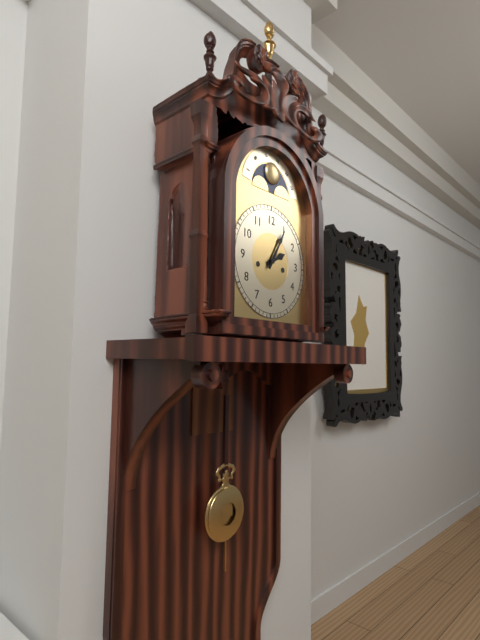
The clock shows 2:05
